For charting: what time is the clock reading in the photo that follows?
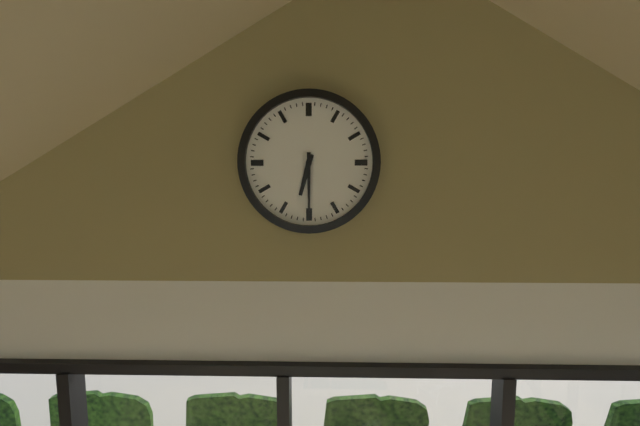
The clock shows 6:30
